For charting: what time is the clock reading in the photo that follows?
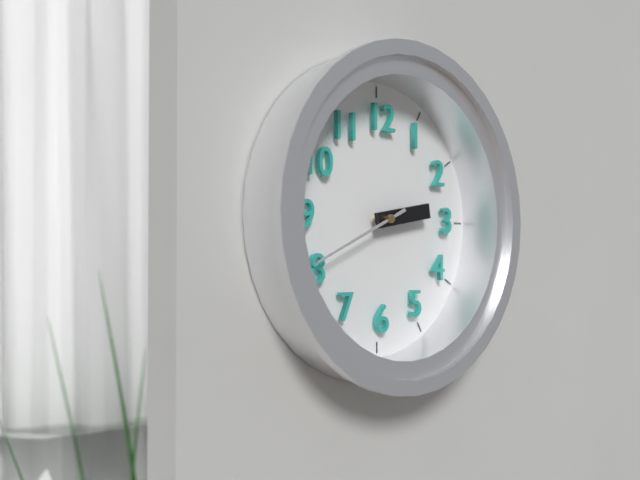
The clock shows 2:41
